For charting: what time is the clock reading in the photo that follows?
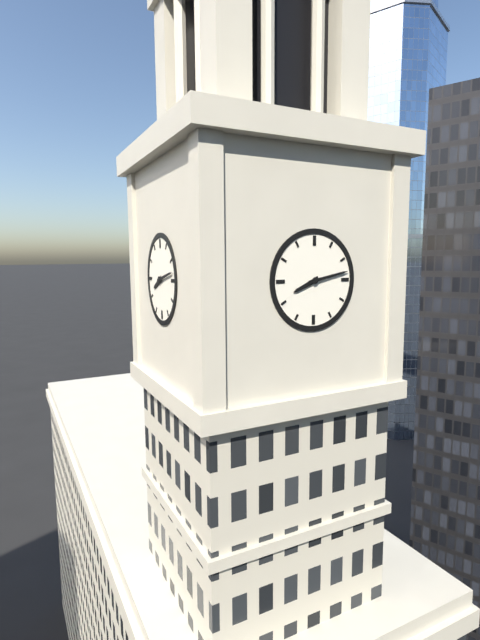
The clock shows 8:13
